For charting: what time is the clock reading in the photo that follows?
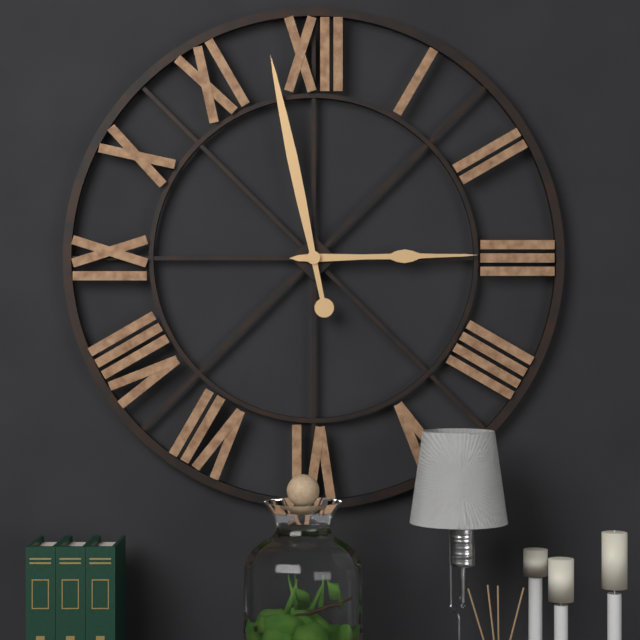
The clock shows 2:58
